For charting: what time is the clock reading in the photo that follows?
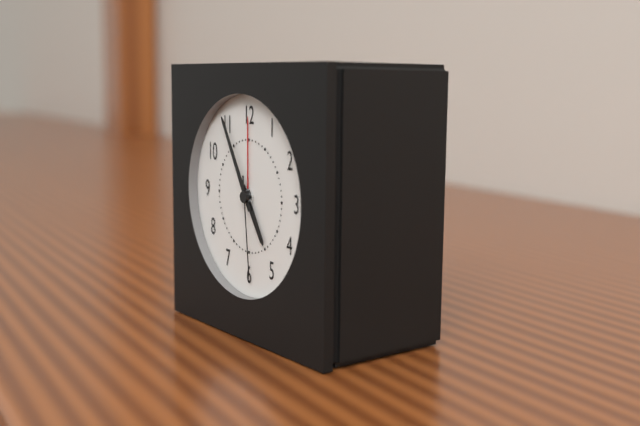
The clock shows 4:55:29
